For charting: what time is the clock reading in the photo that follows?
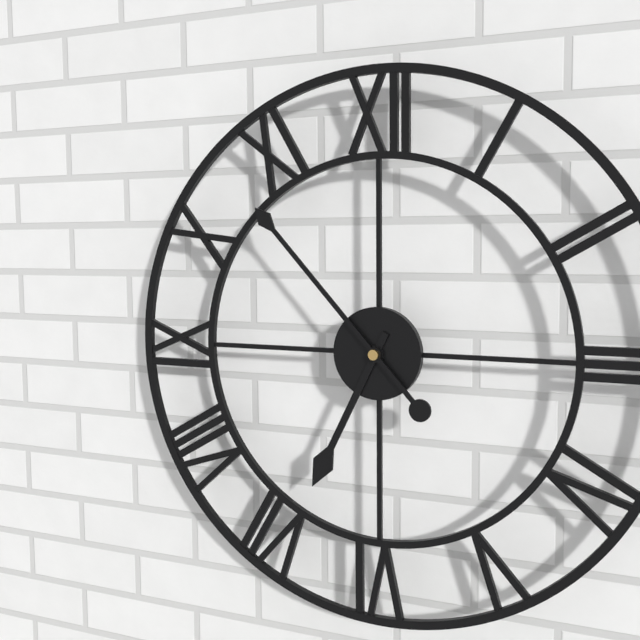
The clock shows 6:53
